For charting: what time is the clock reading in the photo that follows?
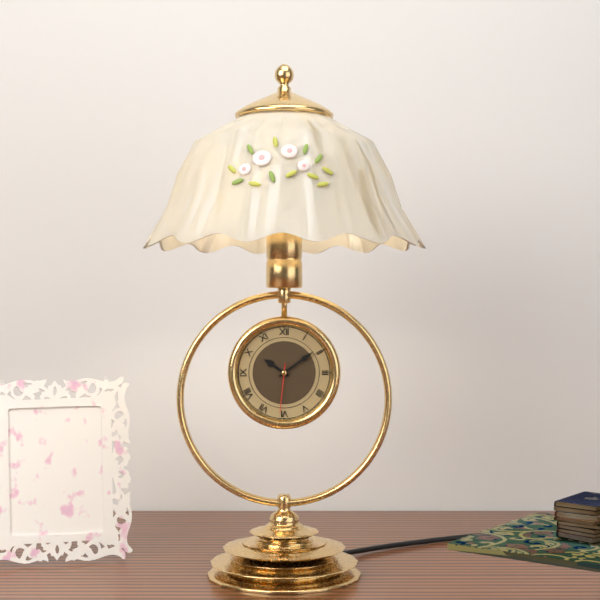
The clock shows 10:09:31
